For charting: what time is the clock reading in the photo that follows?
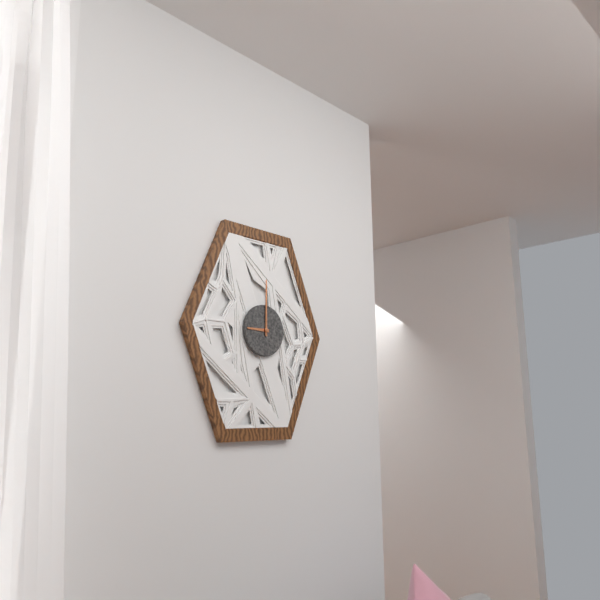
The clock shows 9:00
